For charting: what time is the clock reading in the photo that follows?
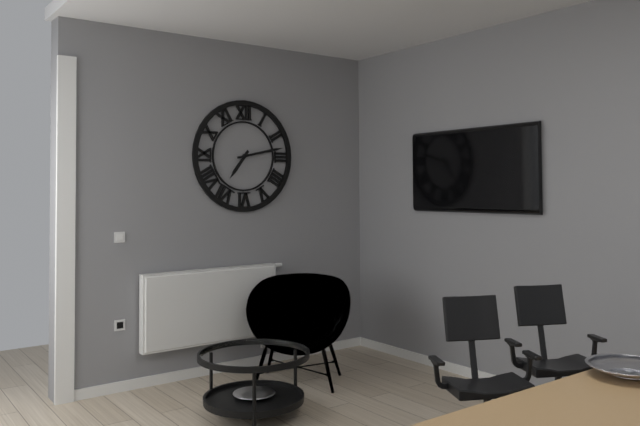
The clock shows 7:13
